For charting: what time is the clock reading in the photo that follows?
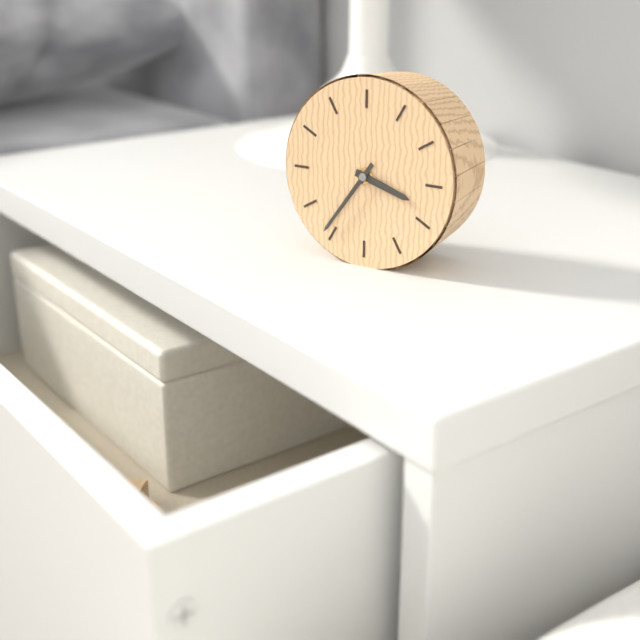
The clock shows 3:36
